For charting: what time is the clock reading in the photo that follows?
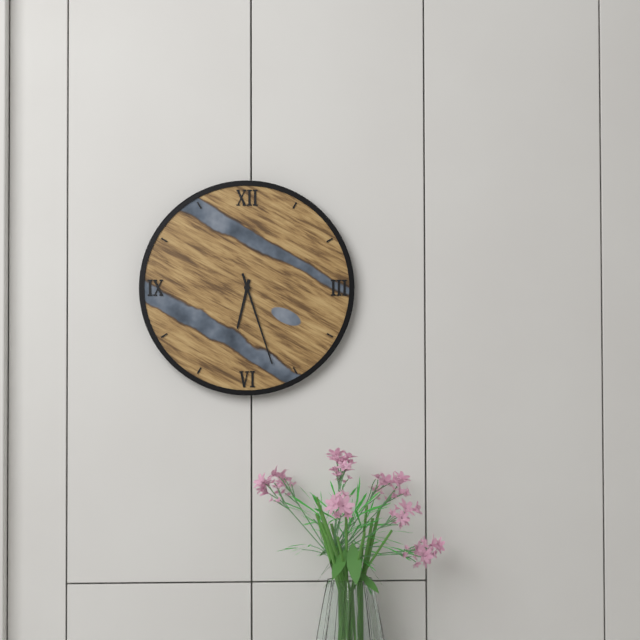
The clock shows 6:27
